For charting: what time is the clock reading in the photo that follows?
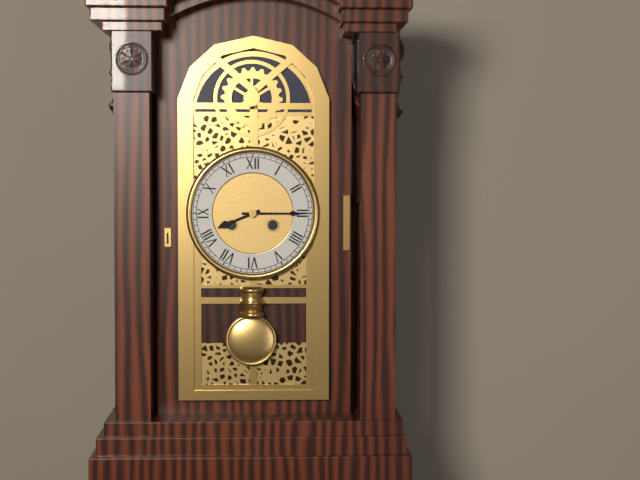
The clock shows 8:15
